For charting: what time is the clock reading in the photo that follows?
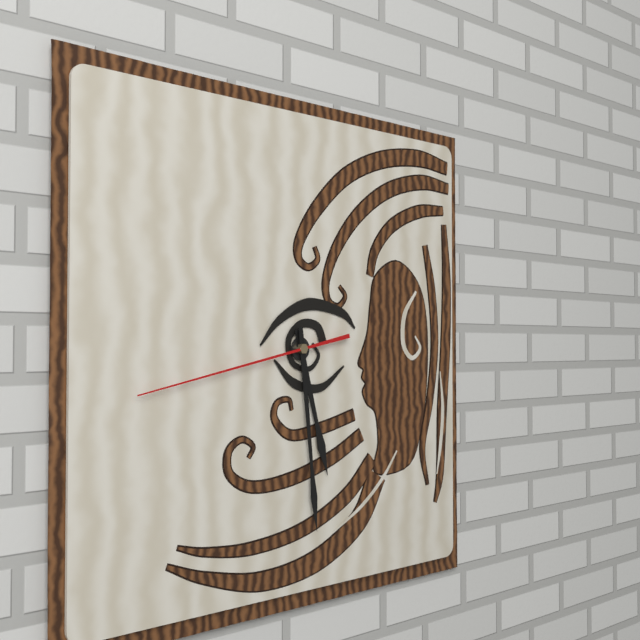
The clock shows 5:29:43
